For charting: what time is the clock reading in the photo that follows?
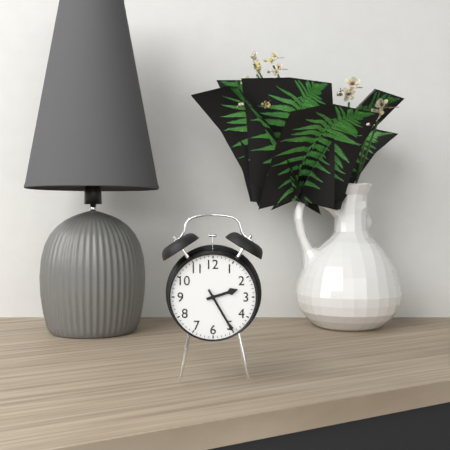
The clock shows 2:25
